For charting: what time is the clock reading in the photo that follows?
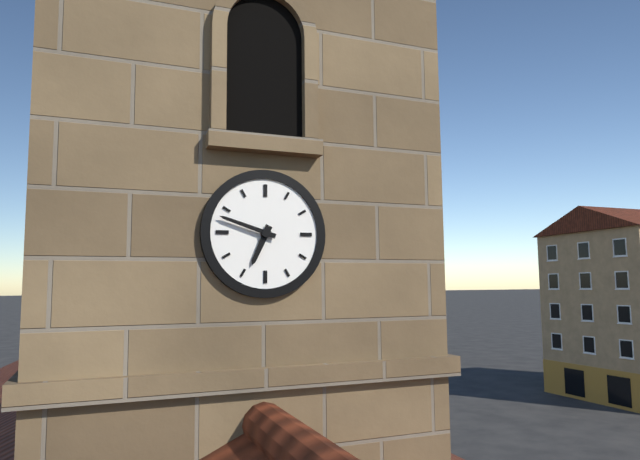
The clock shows 6:48
